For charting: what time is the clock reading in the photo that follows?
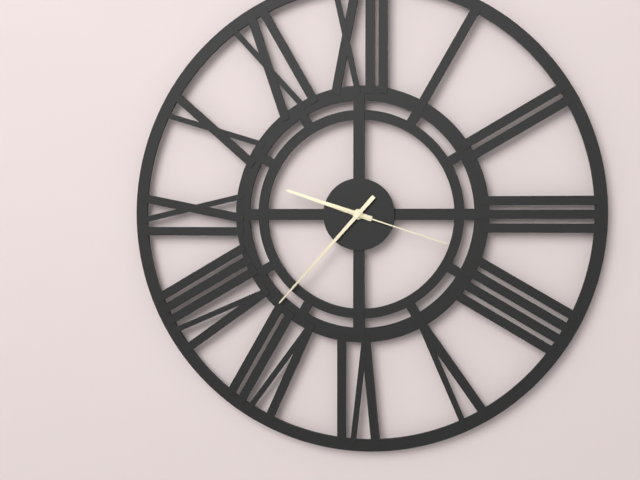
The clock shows 9:37:18
